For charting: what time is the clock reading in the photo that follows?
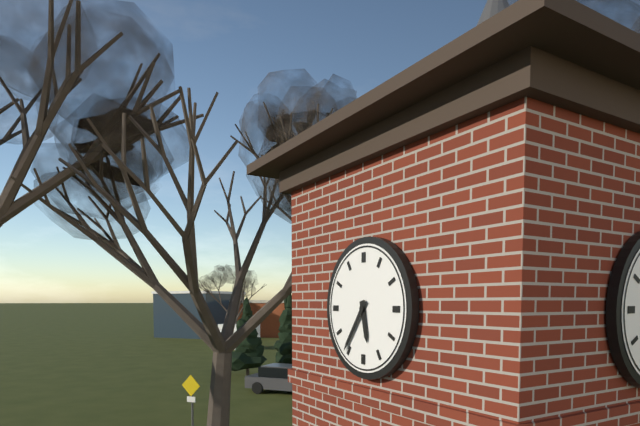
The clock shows 5:36
